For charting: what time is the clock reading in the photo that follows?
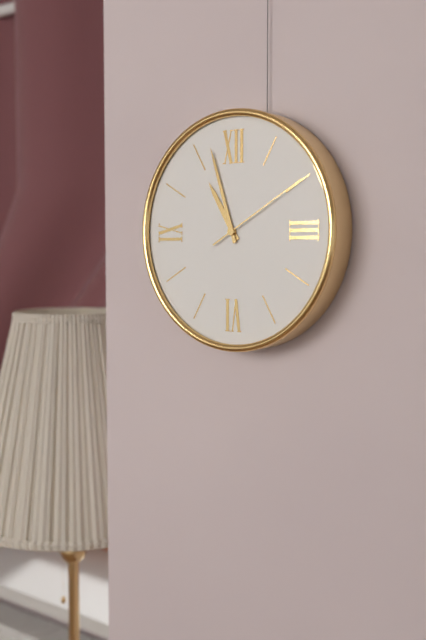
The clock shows 10:57:10
